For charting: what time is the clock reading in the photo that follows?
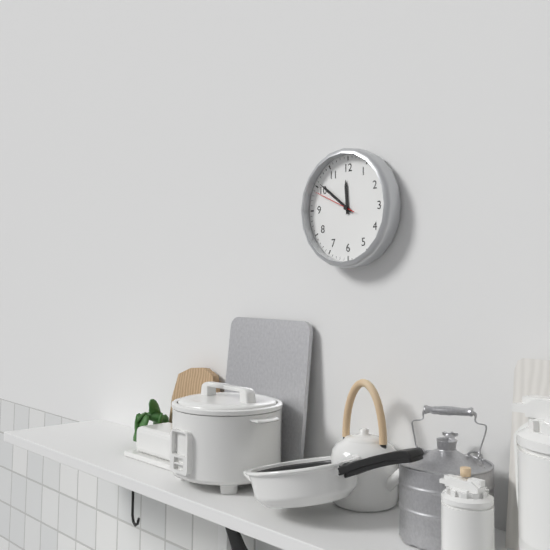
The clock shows 11:51
